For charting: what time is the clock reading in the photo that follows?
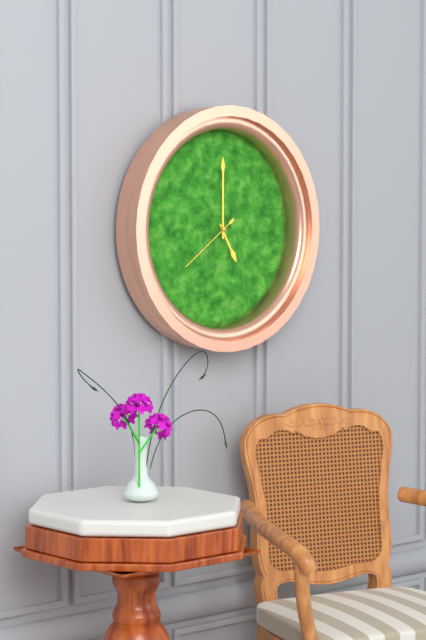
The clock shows 5:00:39
